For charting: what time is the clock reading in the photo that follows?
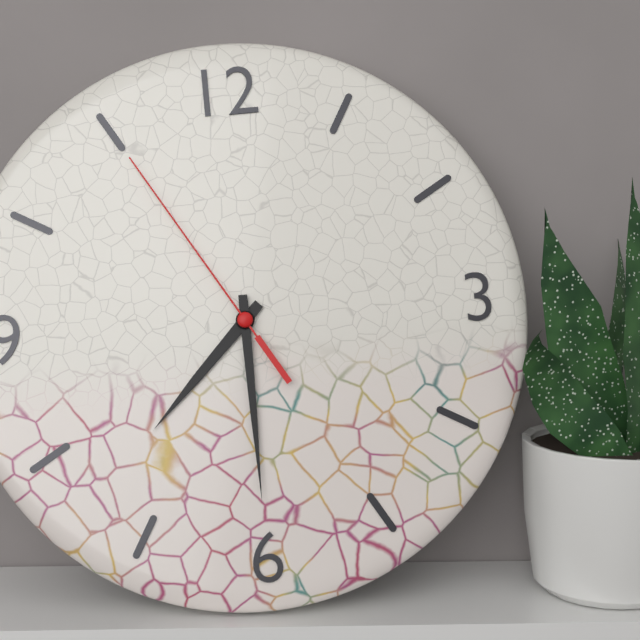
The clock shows 7:30:55
